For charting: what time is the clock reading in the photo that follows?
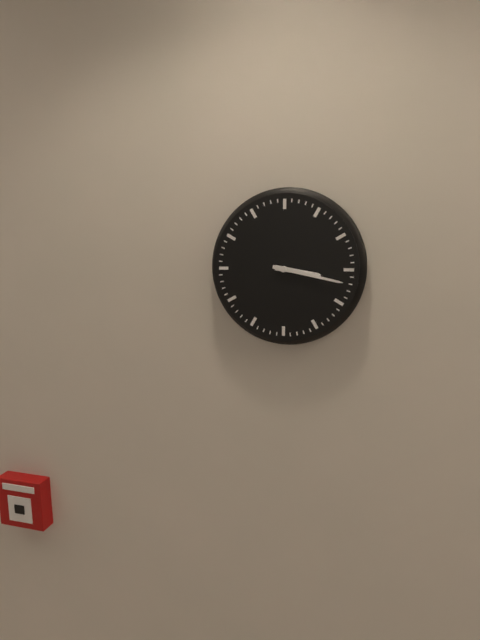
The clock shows 3:17
